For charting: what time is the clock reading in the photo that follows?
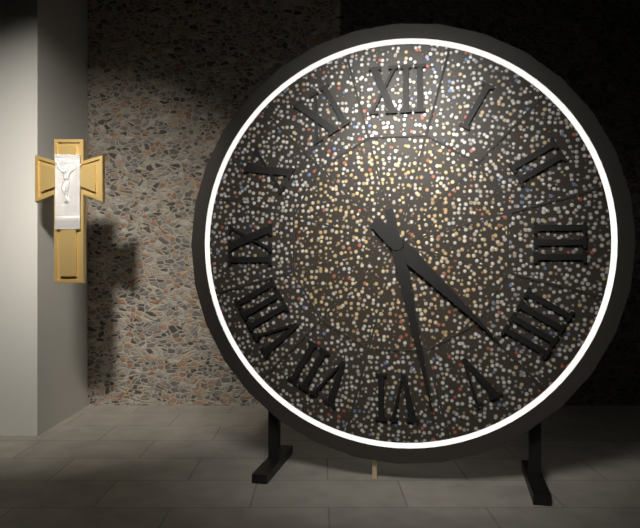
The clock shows 4:28
